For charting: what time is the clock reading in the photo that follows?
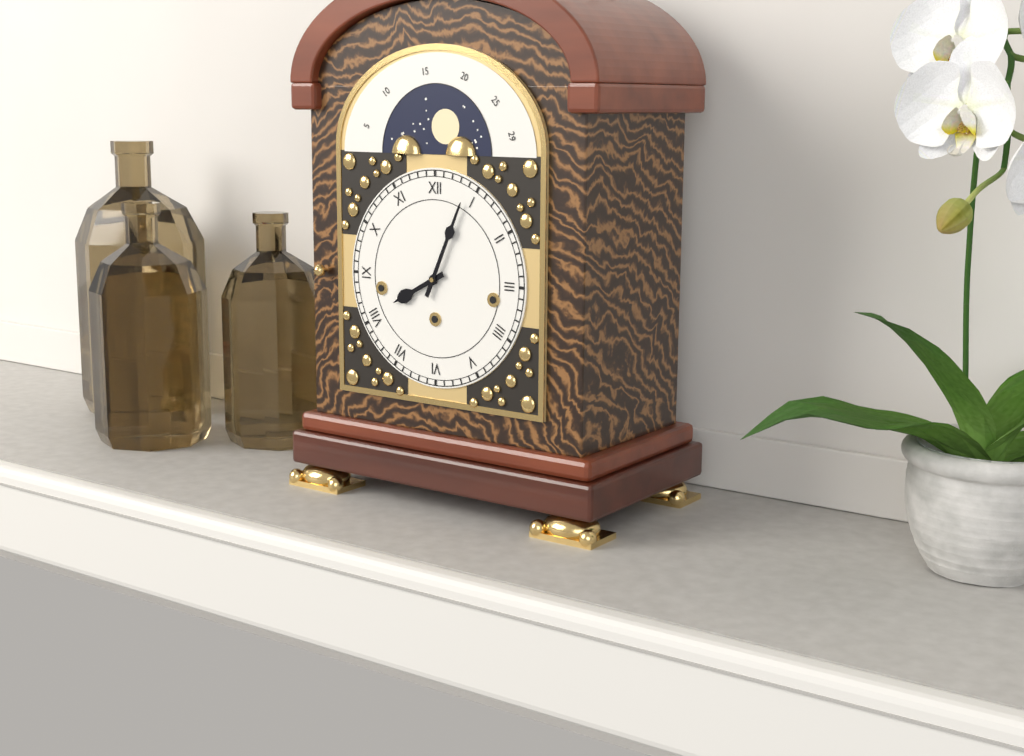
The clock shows 8:04
